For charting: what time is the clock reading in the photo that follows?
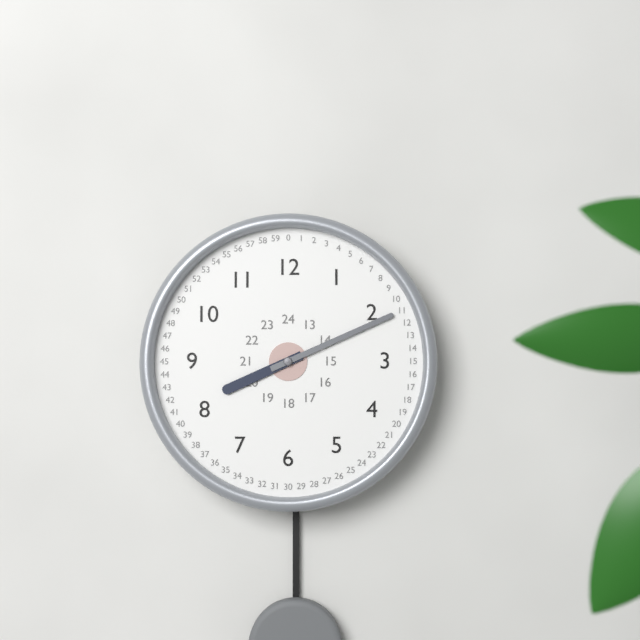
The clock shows 8:11
